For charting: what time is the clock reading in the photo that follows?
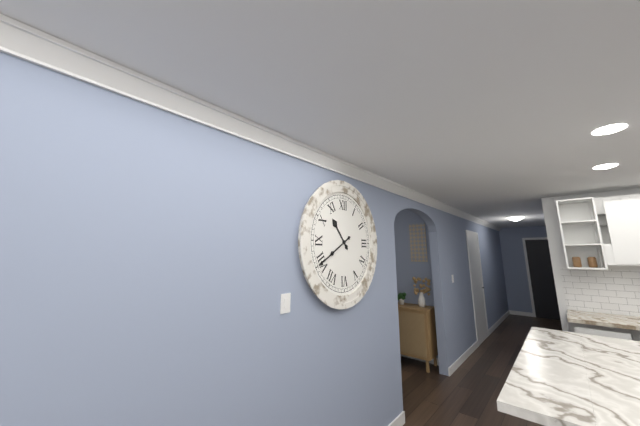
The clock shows 10:40
